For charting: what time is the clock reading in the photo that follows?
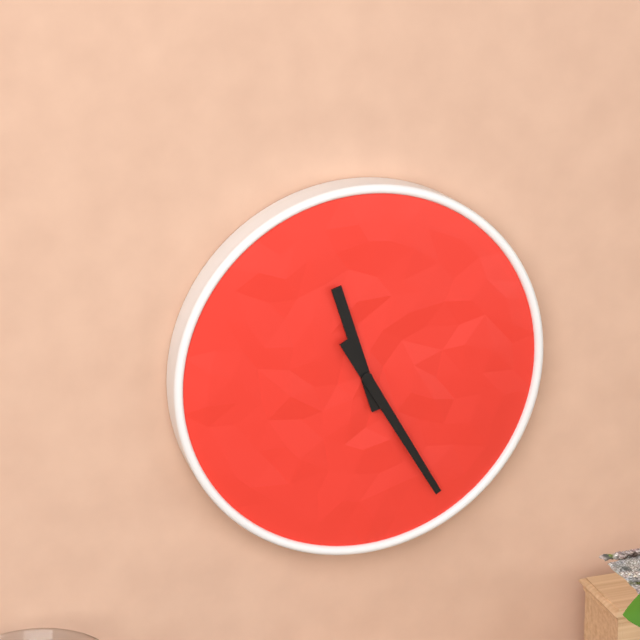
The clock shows 11:25
